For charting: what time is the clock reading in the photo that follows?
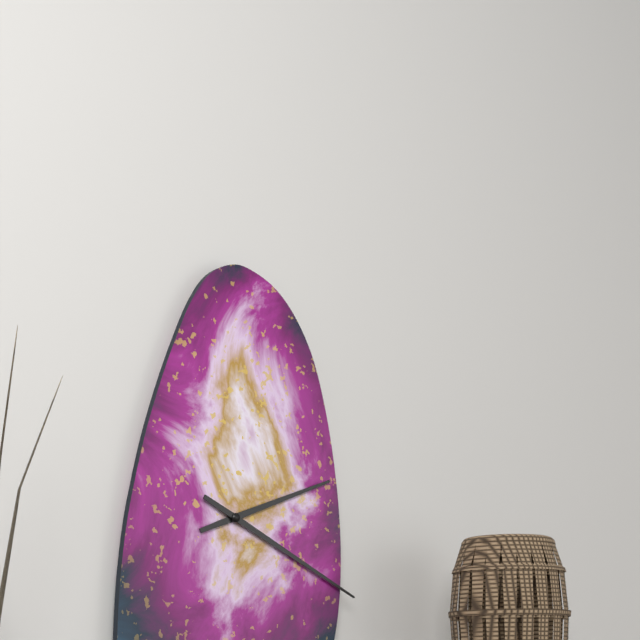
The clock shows 2:19
